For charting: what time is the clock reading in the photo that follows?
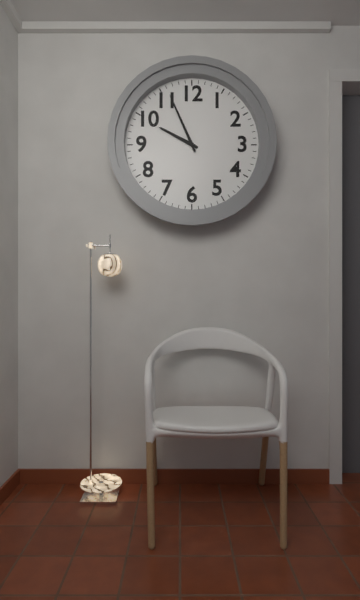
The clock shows 9:56
